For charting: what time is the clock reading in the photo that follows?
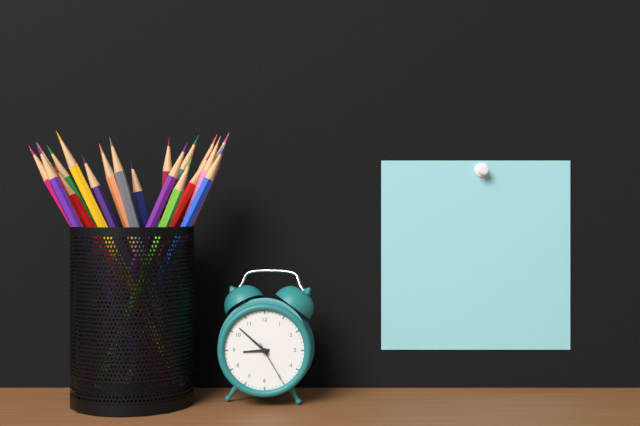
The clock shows 8:52
